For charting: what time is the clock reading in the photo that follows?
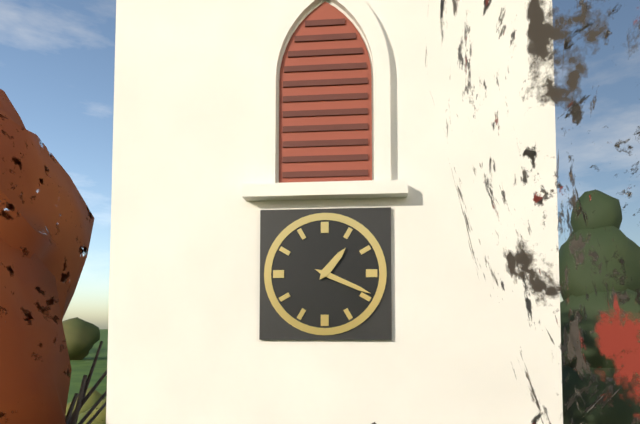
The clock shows 1:19
